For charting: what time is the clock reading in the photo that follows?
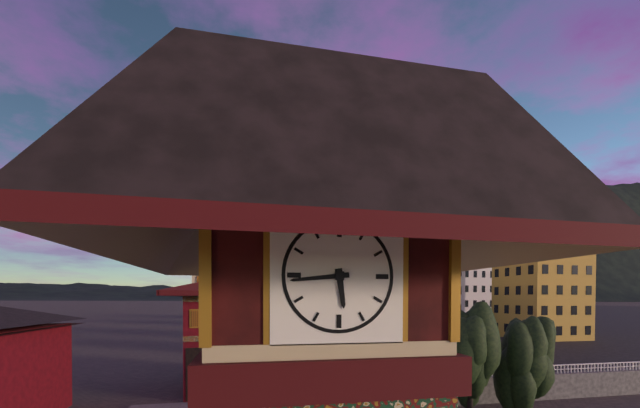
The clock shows 5:44
